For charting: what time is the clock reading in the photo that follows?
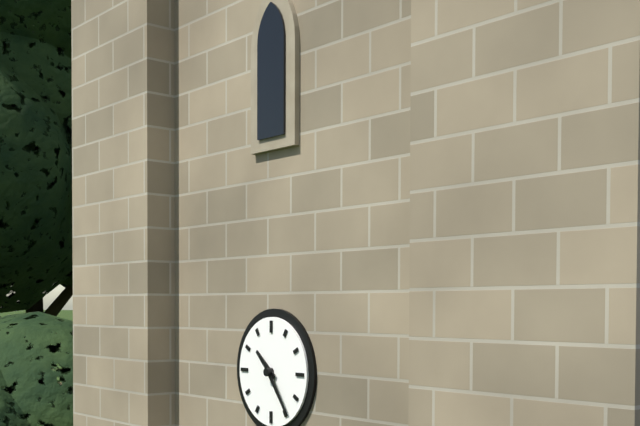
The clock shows 10:24
